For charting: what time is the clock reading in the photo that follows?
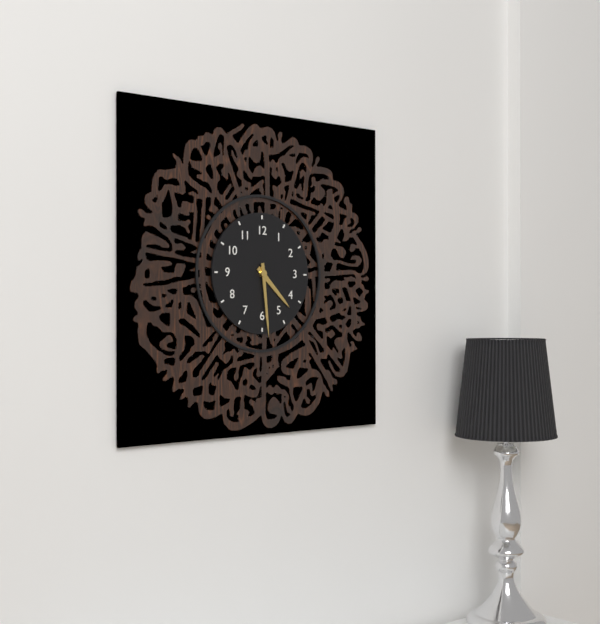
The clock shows 4:29
